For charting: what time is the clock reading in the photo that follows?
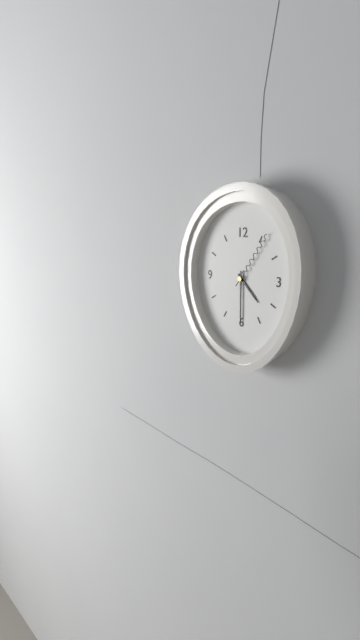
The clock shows 4:30:06
